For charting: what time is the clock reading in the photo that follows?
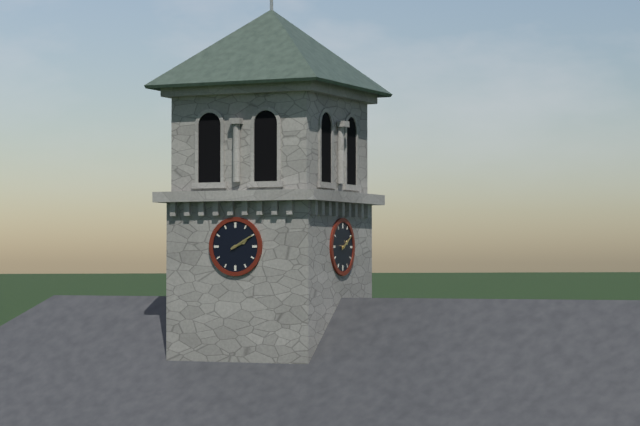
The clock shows 2:10
